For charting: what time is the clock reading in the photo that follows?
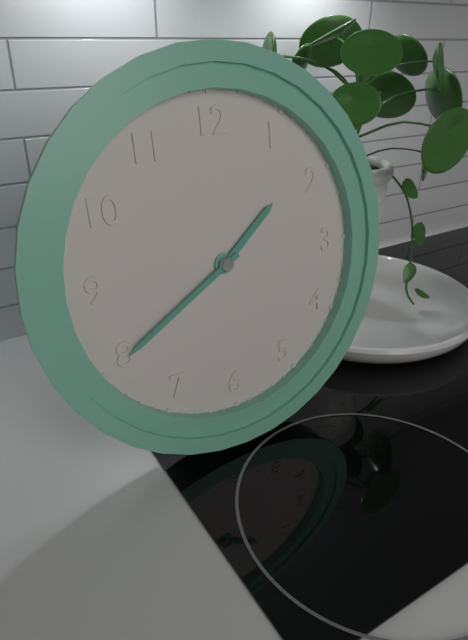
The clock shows 1:40
